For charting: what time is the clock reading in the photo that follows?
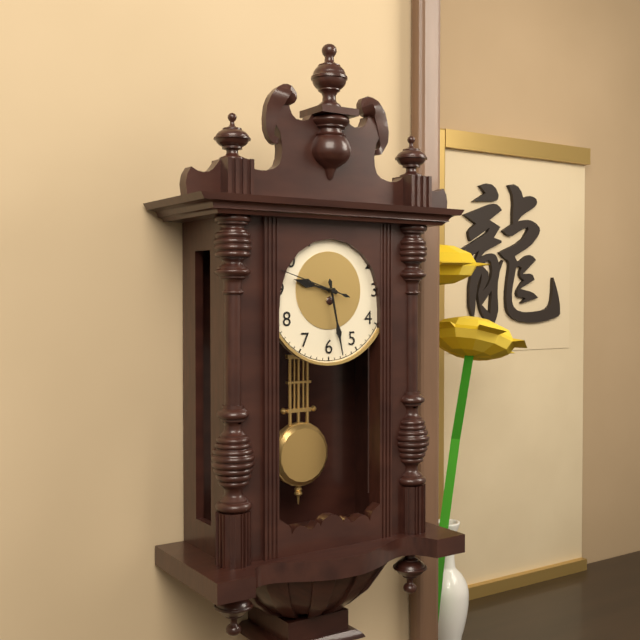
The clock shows 9:28:48
